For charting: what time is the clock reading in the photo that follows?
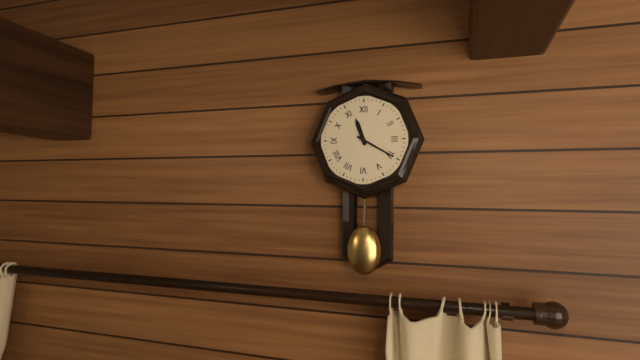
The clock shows 11:20
